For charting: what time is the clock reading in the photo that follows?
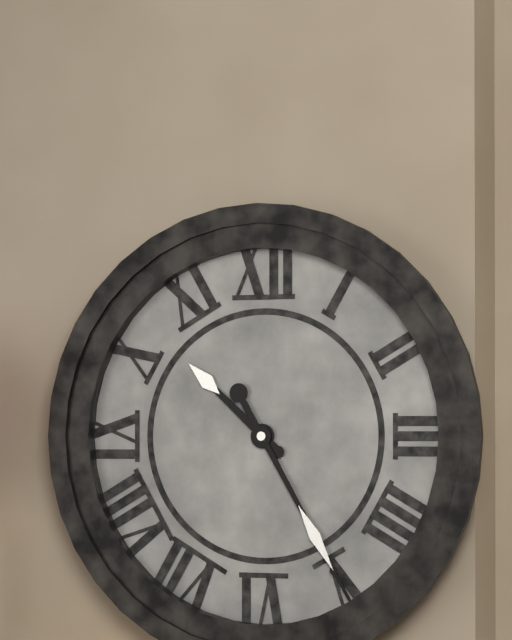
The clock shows 10:25
